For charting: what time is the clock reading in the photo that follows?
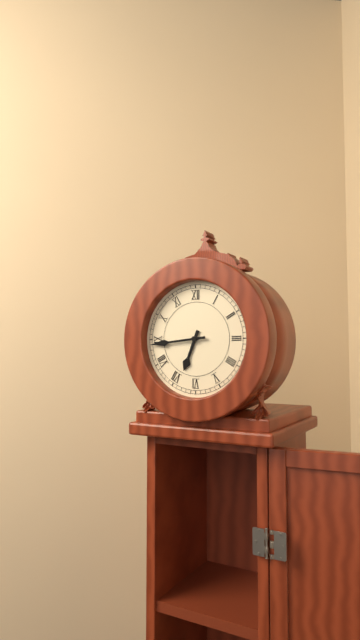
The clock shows 6:44
